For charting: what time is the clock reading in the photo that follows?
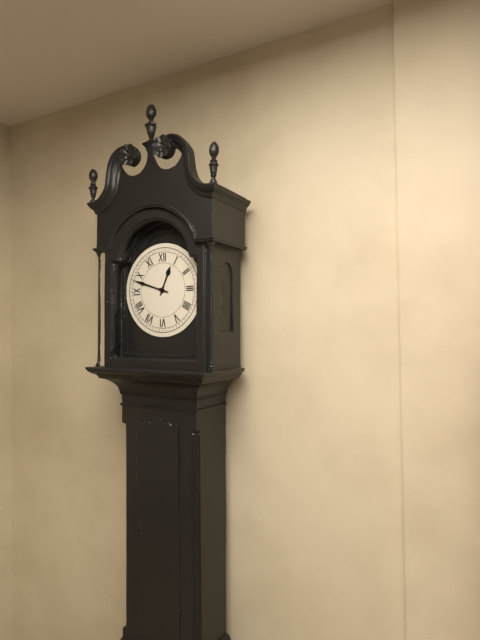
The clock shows 12:48
